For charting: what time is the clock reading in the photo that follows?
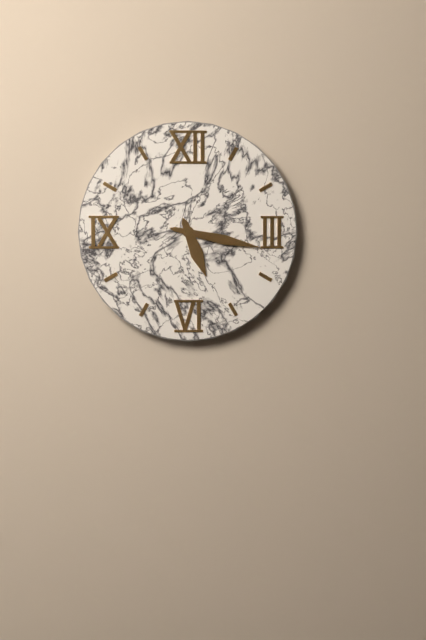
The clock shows 5:17
